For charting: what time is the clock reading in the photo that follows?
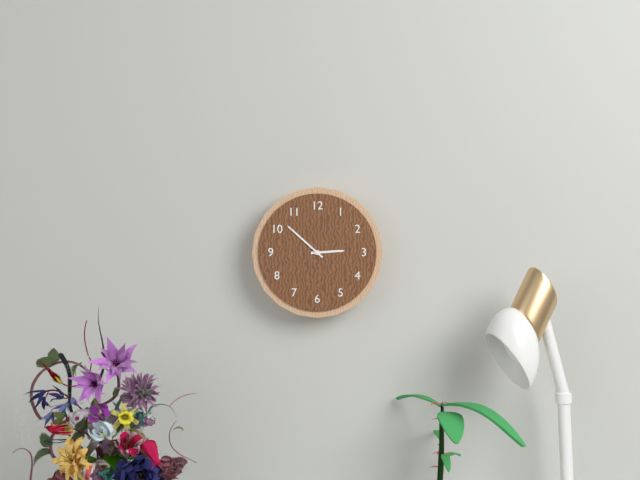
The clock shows 2:52
